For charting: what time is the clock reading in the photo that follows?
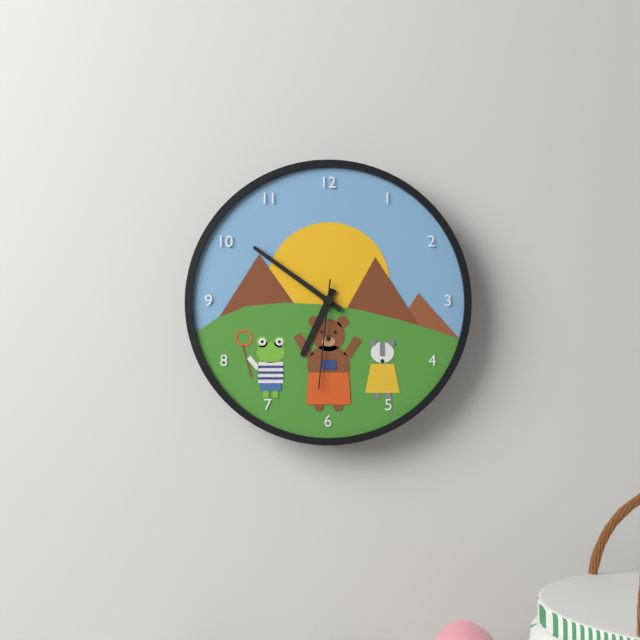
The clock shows 6:51:31
